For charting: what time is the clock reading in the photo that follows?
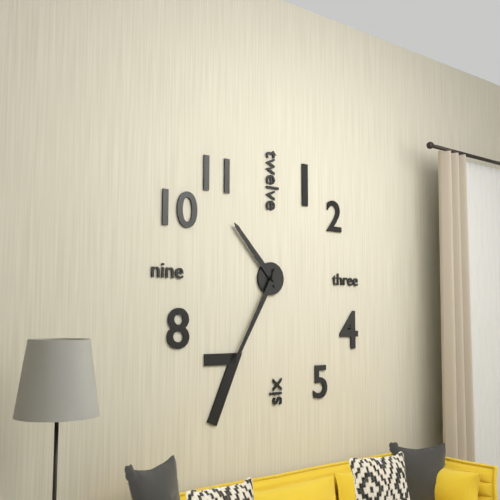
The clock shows 10:35
